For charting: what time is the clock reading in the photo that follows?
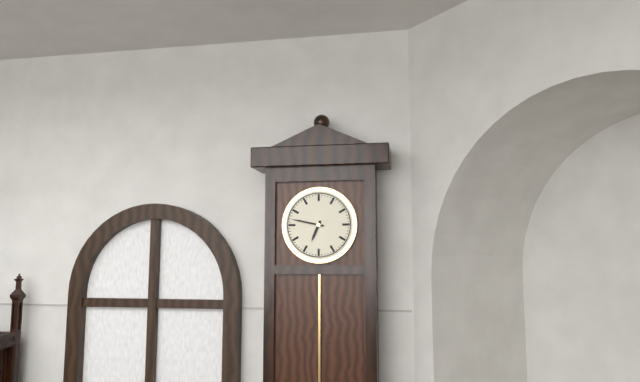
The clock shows 6:47
